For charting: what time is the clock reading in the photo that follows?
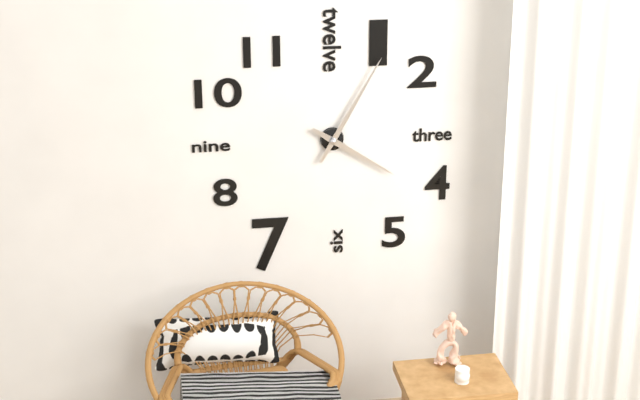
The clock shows 4:05
